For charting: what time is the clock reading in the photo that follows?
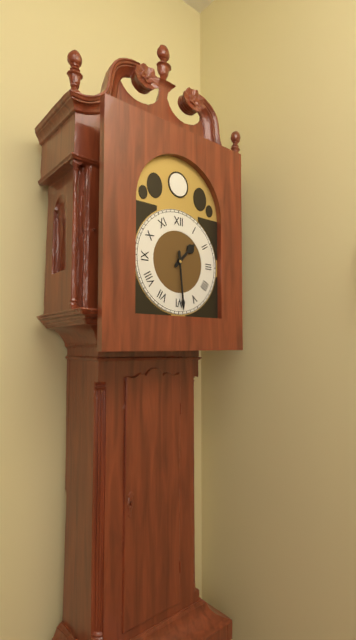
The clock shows 1:29
